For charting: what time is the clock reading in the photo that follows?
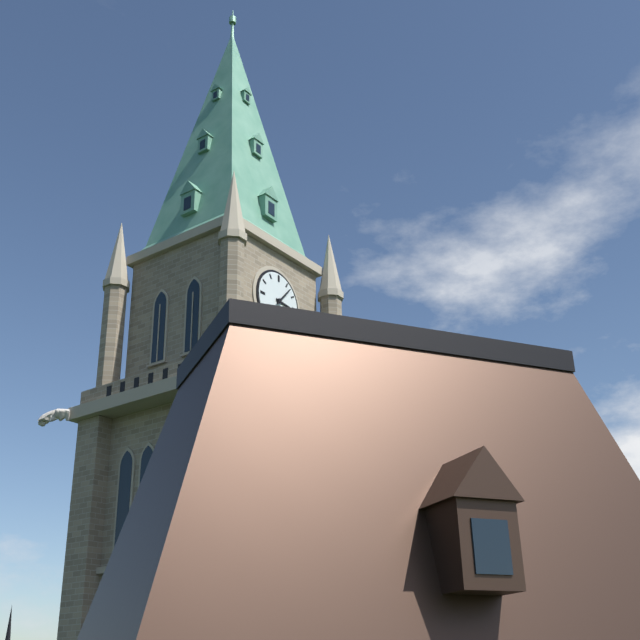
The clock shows 3:07
